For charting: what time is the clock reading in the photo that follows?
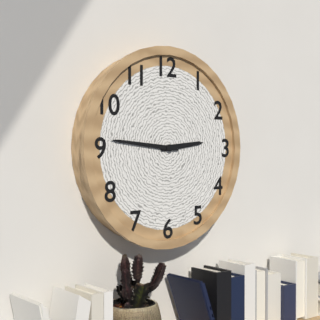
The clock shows 2:46
